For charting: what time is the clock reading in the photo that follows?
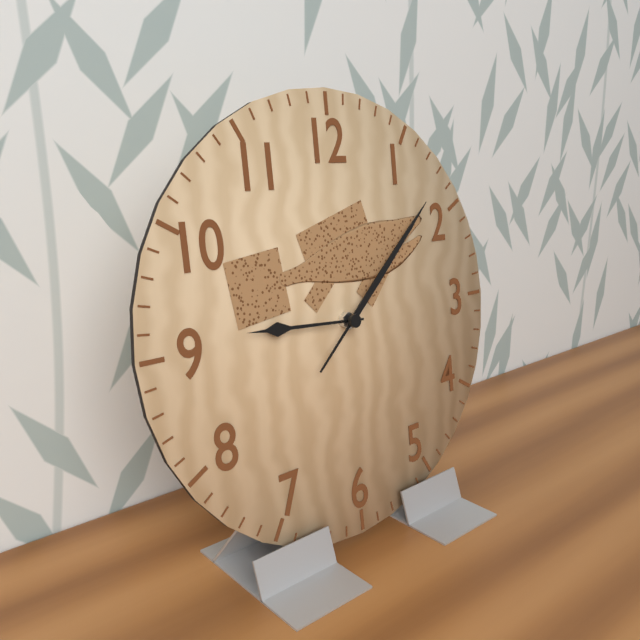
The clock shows 9:08
